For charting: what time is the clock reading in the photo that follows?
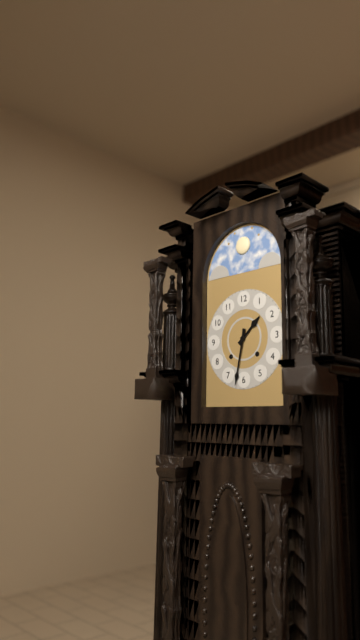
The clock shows 1:32
